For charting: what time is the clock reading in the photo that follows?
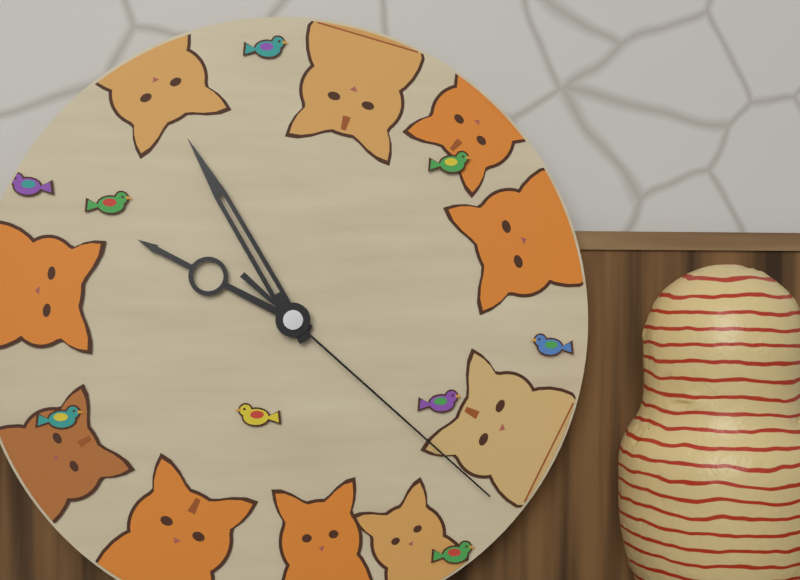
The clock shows 9:55:22
